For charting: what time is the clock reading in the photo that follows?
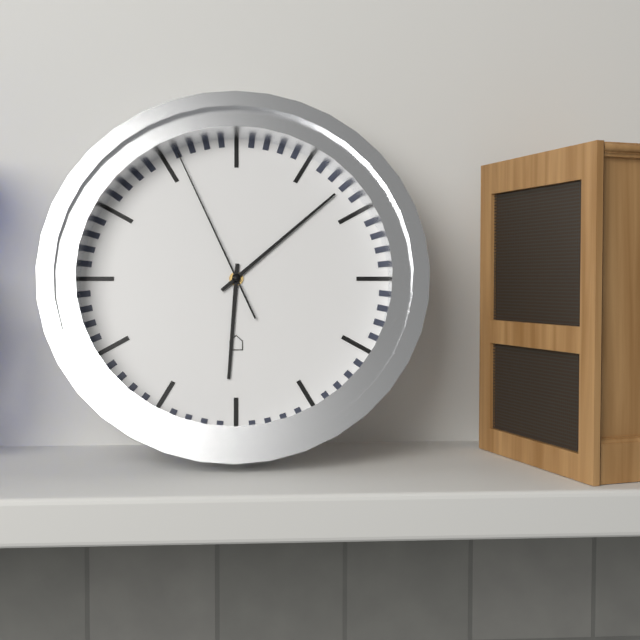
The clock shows 6:08:56
